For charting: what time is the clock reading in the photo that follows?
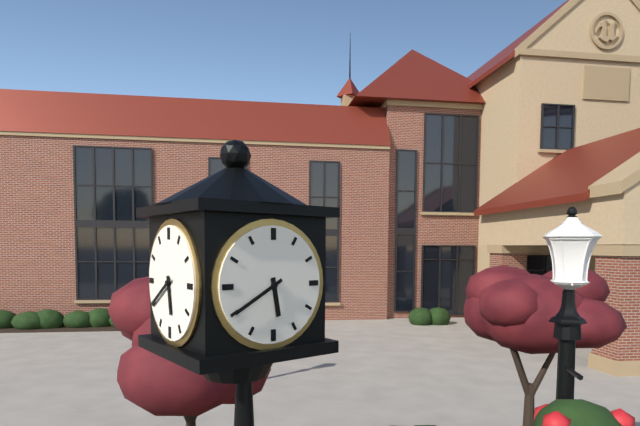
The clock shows 5:40
